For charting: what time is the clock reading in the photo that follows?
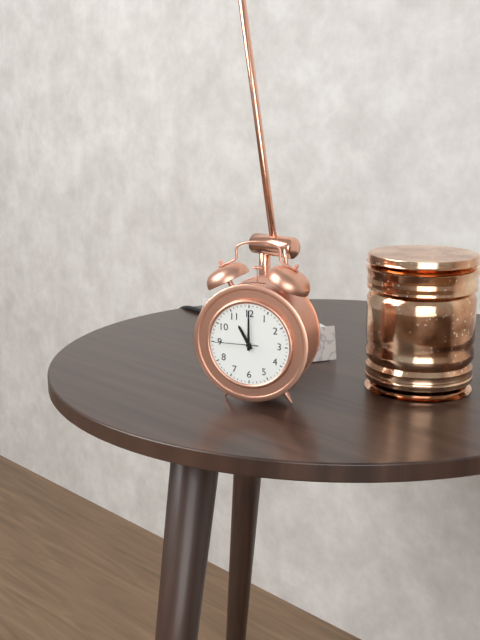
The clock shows 11:00
